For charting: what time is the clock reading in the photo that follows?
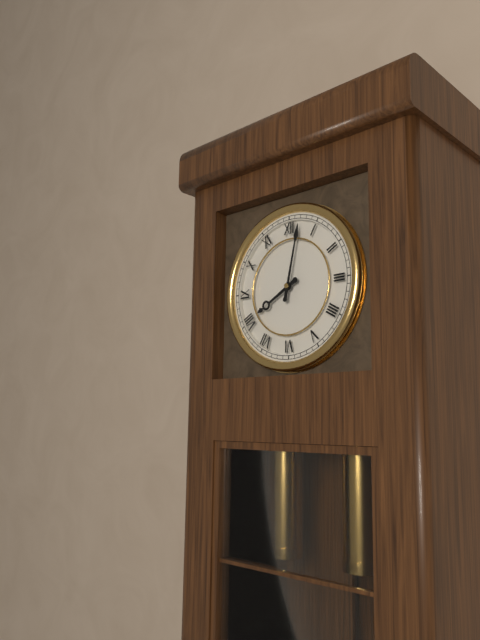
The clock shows 8:02
